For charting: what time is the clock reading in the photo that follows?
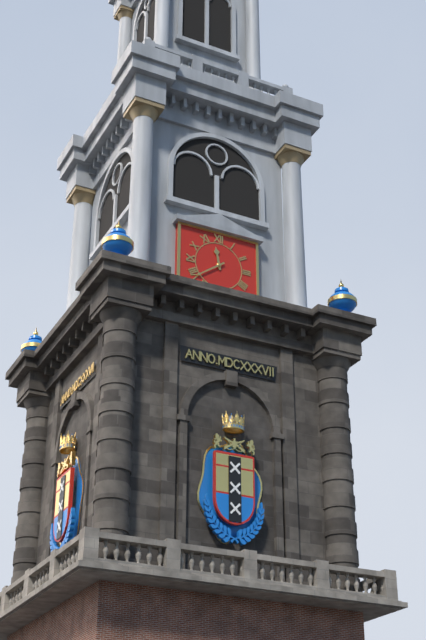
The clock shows 11:39
